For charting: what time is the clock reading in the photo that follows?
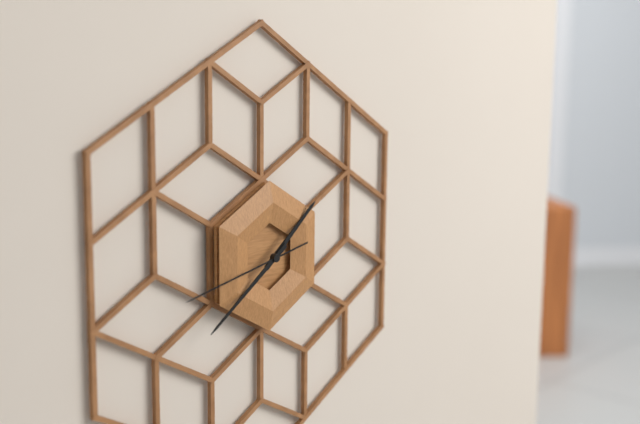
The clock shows 1:39:43
